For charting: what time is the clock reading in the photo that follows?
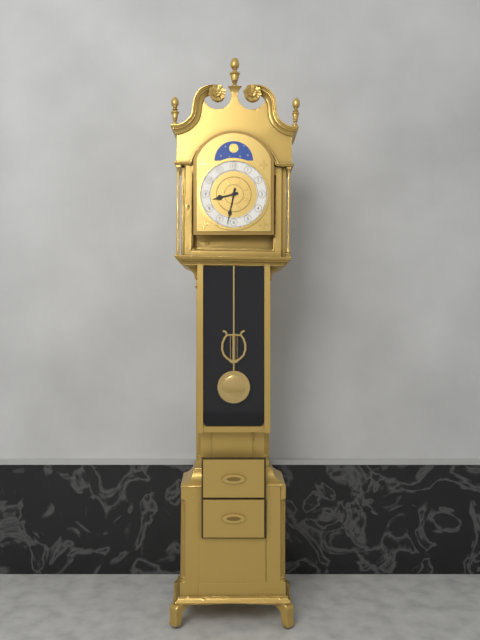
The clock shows 8:32
